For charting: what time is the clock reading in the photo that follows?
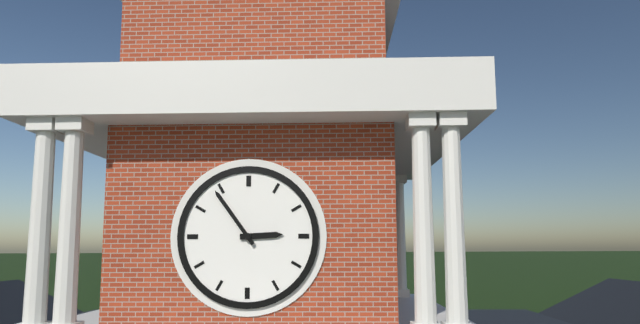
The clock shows 2:54
